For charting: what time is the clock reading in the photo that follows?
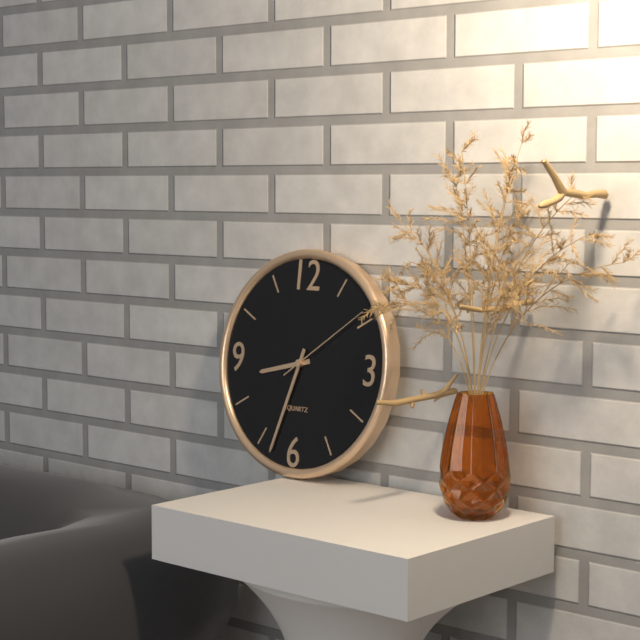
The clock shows 8:33:09
